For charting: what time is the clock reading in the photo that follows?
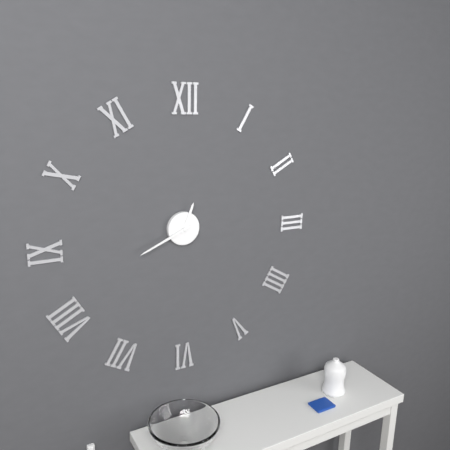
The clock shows 12:41
